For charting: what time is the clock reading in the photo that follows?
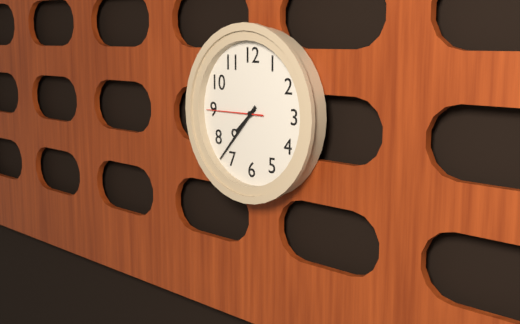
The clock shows 7:37:45
